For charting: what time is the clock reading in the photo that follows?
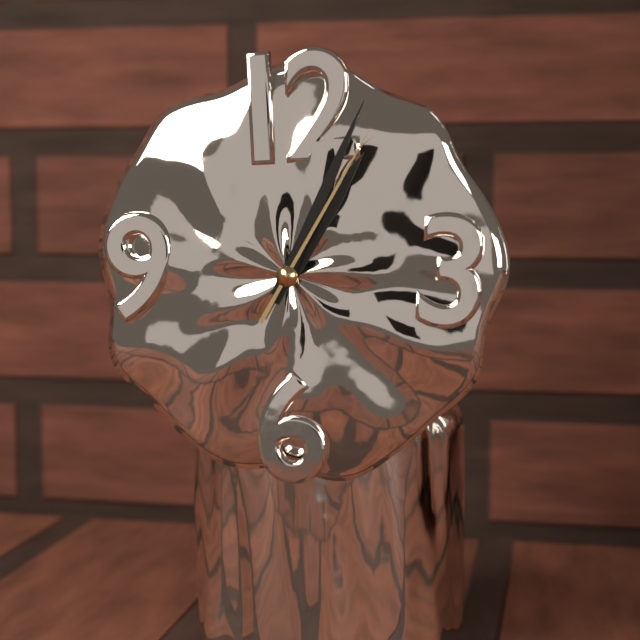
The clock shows 1:04:05
